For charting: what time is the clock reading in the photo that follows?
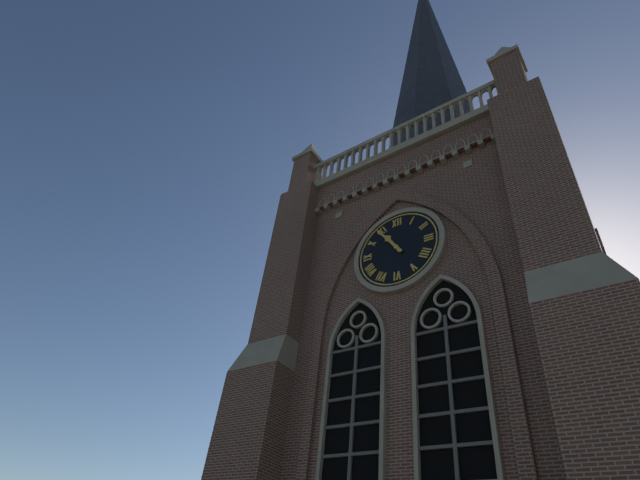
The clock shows 10:54
